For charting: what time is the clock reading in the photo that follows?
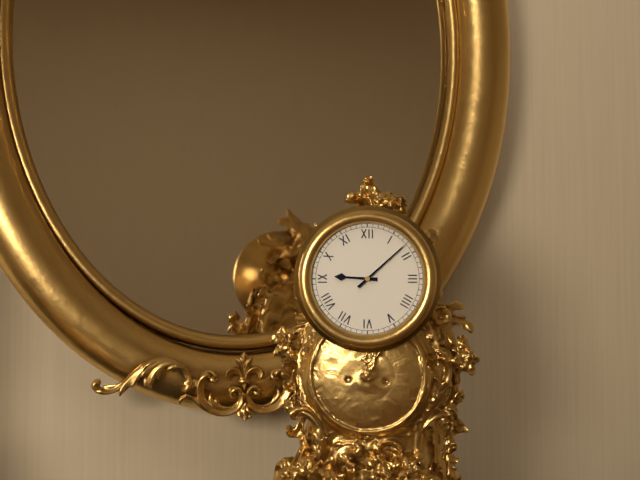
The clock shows 9:08
